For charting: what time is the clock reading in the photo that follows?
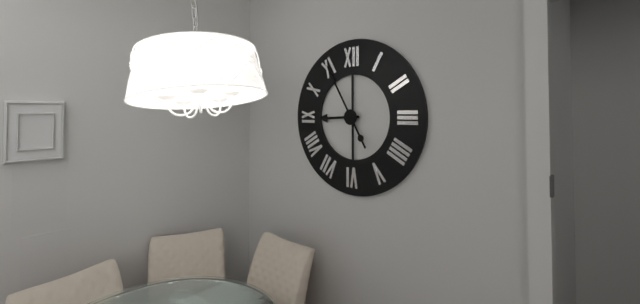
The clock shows 8:55
